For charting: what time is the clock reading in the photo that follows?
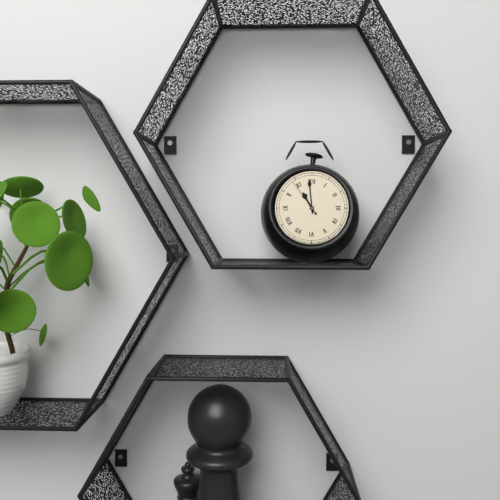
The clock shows 10:59
